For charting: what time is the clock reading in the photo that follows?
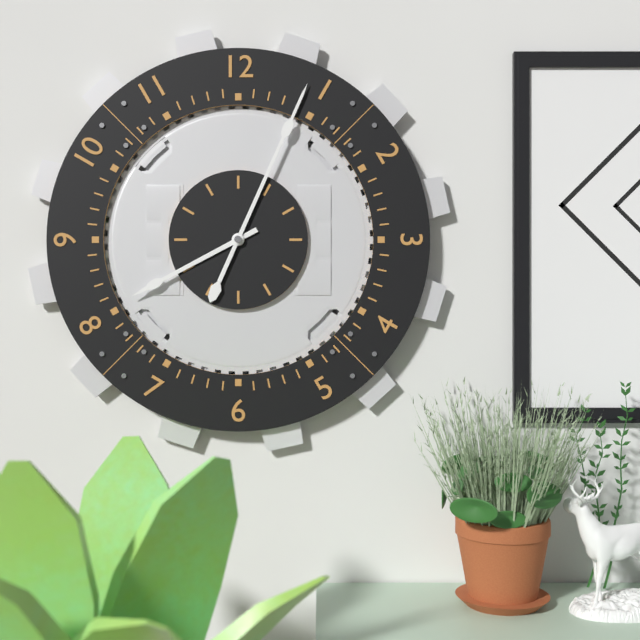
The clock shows 8:04
